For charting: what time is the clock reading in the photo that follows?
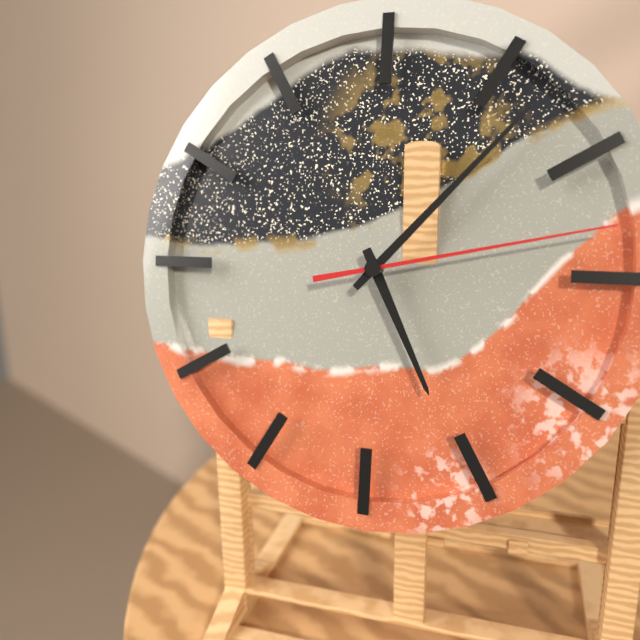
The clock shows 5:07:13
